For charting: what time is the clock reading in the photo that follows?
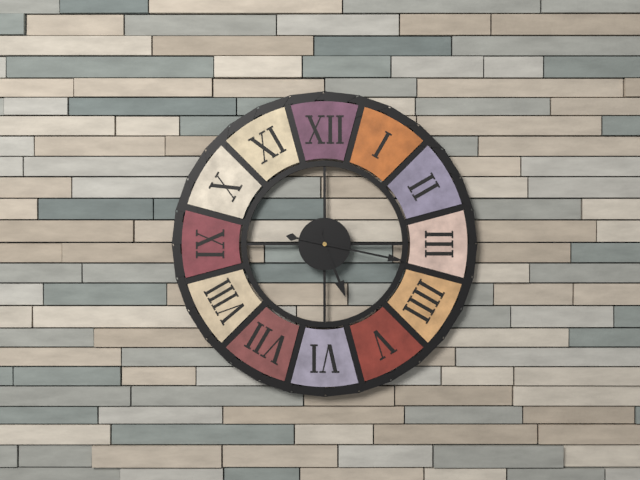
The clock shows 5:17
